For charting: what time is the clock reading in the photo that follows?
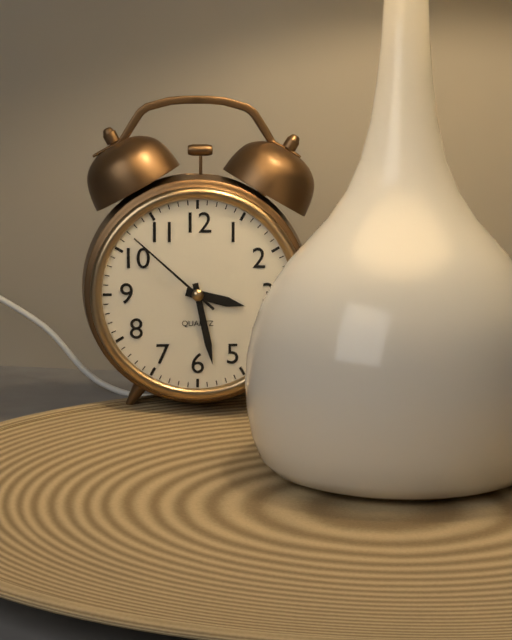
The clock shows 3:28:52
